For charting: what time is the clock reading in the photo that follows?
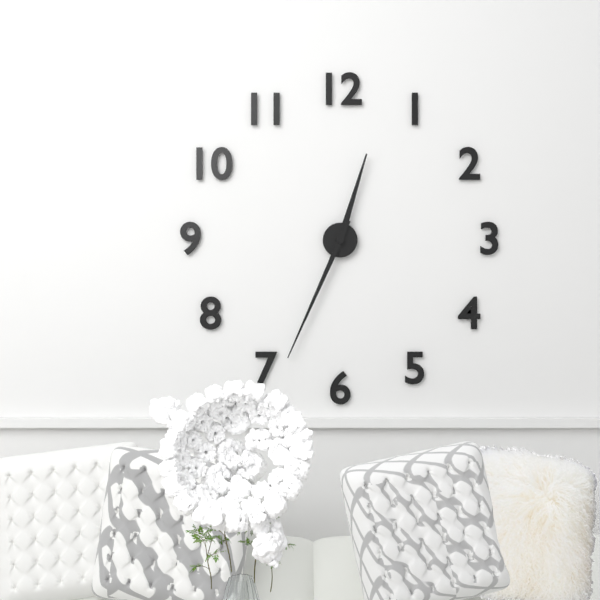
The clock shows 12:34
